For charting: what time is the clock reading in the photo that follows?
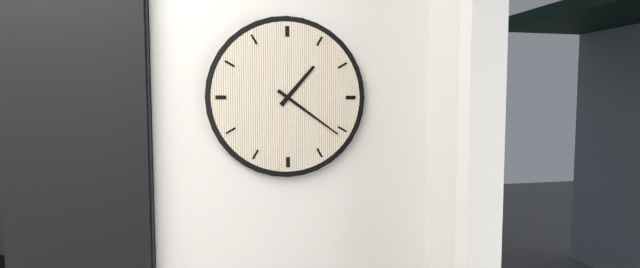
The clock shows 1:21
